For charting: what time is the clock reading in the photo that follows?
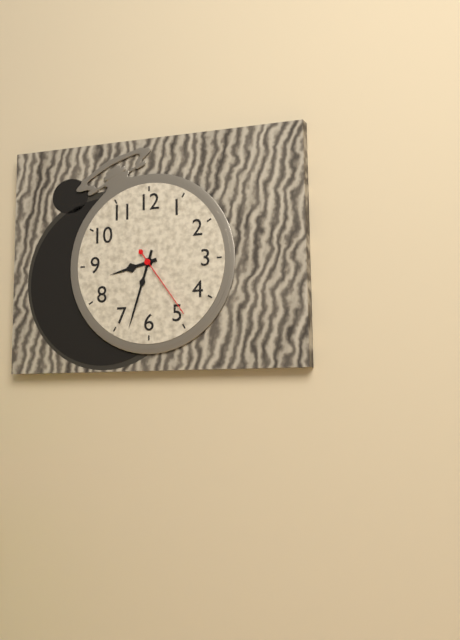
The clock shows 8:33:24
